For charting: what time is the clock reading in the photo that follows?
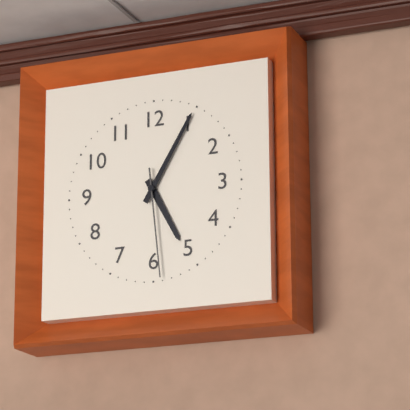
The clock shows 5:05:29
